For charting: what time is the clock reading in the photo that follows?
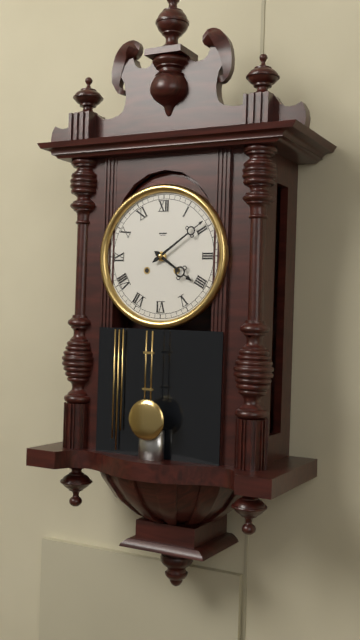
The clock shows 4:09
